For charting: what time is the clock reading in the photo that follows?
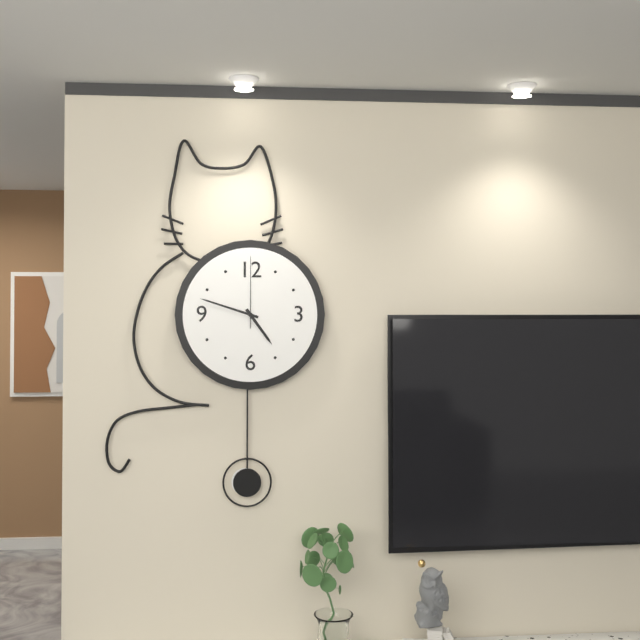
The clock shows 4:48:00
